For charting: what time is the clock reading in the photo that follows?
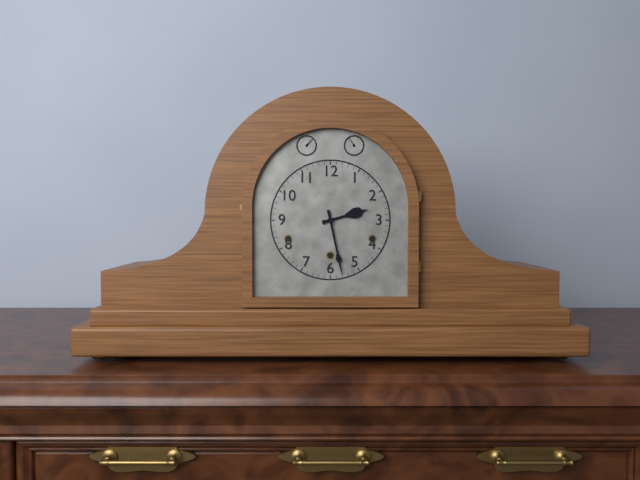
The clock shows 2:28
